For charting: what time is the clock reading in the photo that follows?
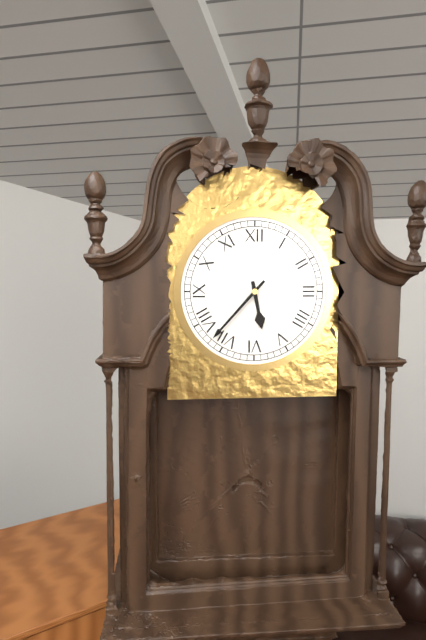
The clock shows 5:37
